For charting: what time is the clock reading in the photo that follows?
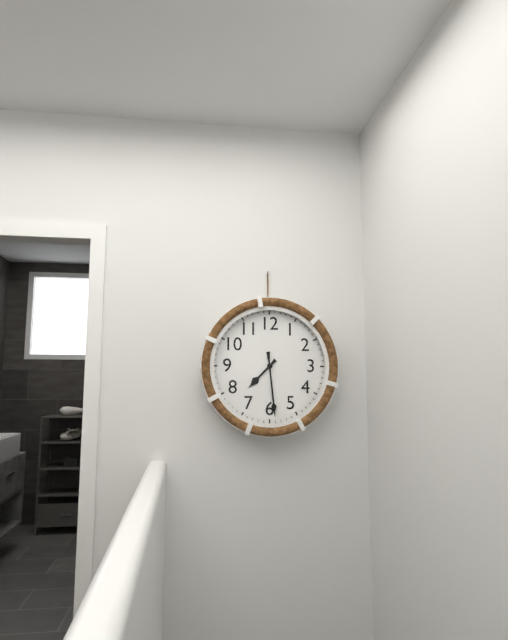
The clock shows 7:29
